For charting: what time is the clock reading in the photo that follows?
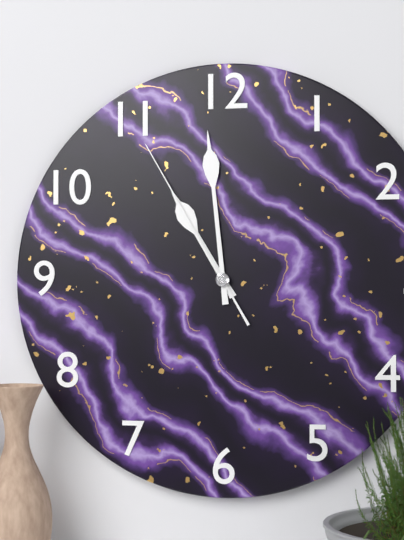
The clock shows 10:59:55
